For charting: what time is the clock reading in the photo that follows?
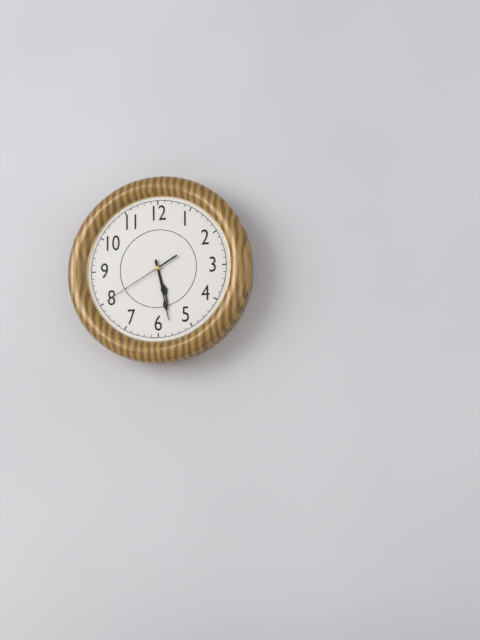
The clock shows 5:28:40
